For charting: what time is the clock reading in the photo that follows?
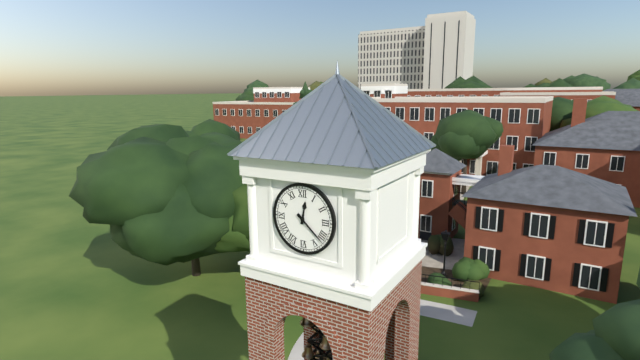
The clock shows 12:22
